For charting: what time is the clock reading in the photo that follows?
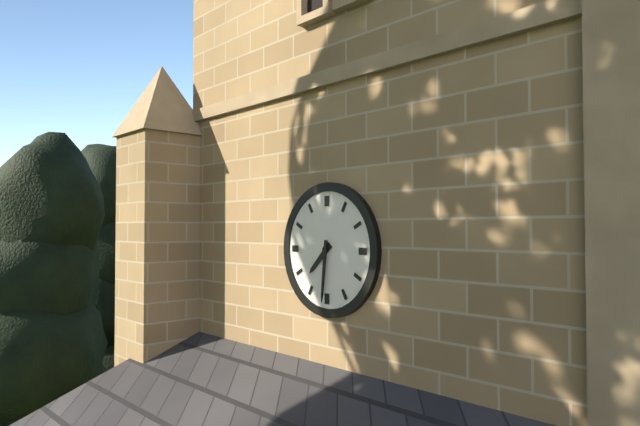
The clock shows 7:31
